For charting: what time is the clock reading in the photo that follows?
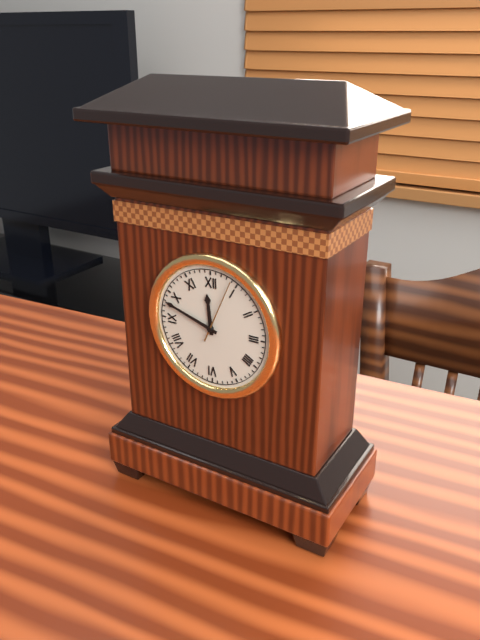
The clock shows 11:48:04
